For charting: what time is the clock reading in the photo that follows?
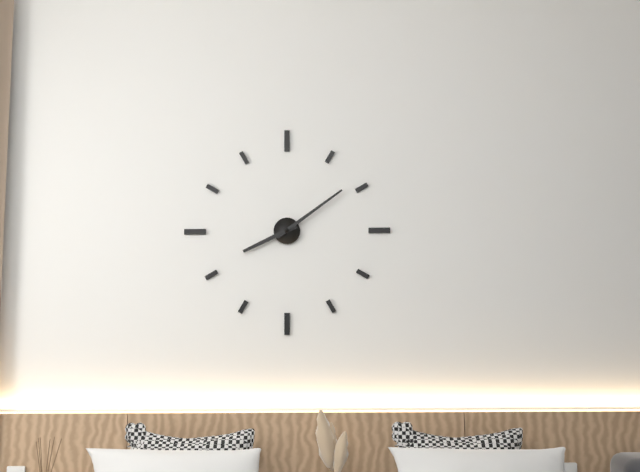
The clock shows 8:09
